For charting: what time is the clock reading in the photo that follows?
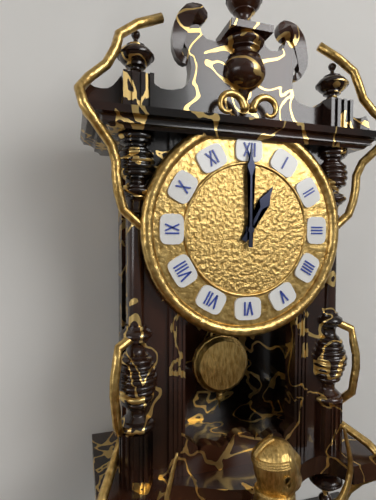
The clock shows 1:00
